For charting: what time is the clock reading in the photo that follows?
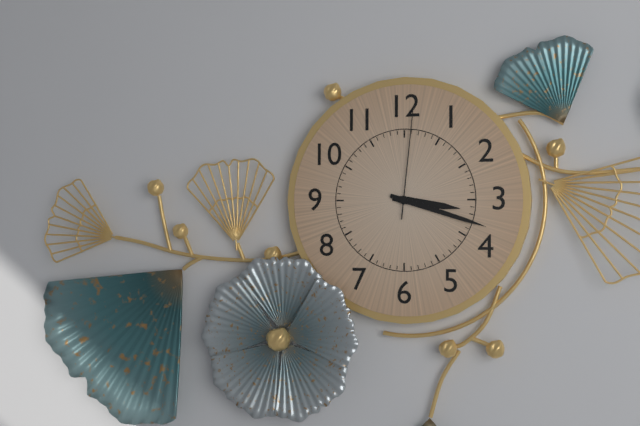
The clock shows 3:18:01
